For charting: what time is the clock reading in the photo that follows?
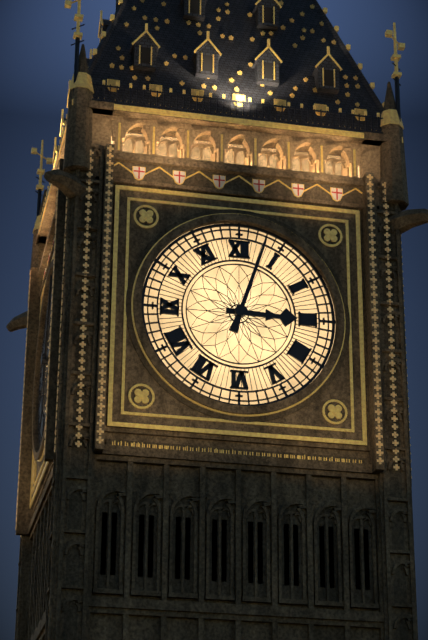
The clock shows 3:03
